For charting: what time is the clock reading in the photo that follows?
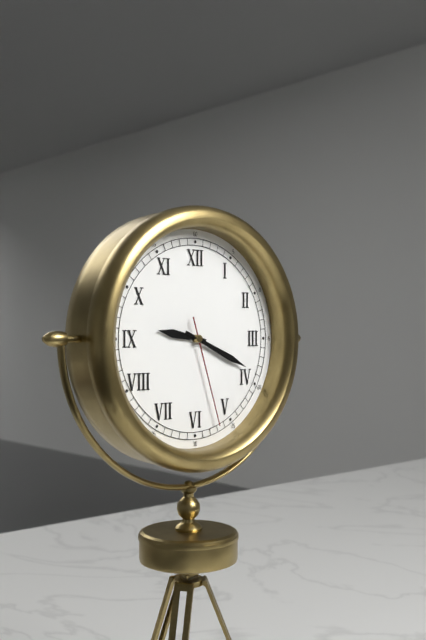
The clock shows 9:19:27
